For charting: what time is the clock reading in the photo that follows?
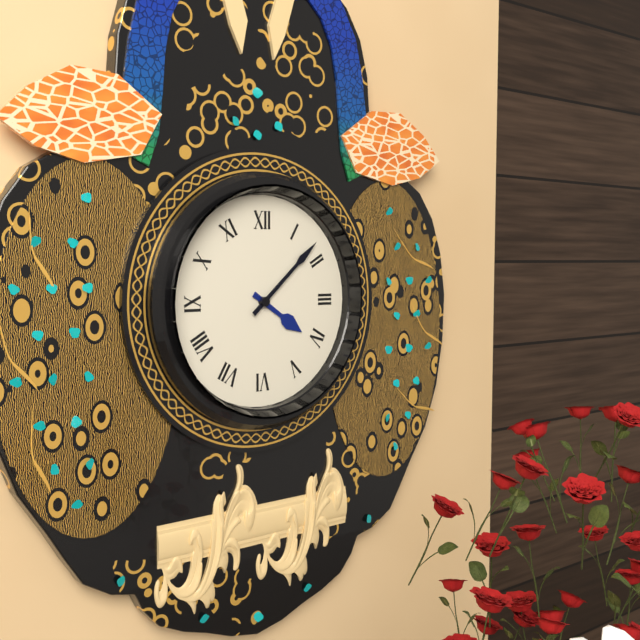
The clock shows 4:08
